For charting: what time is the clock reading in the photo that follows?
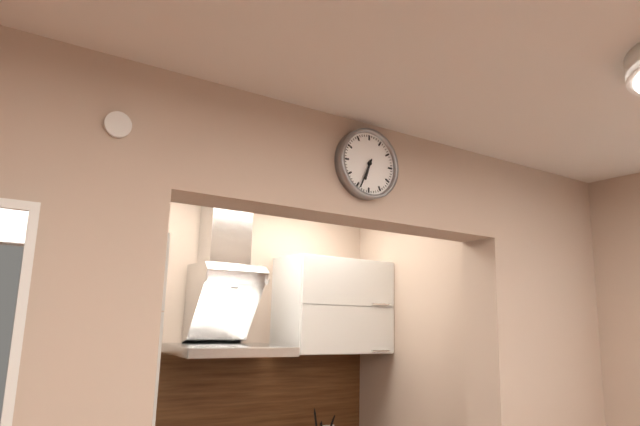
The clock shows 6:34
